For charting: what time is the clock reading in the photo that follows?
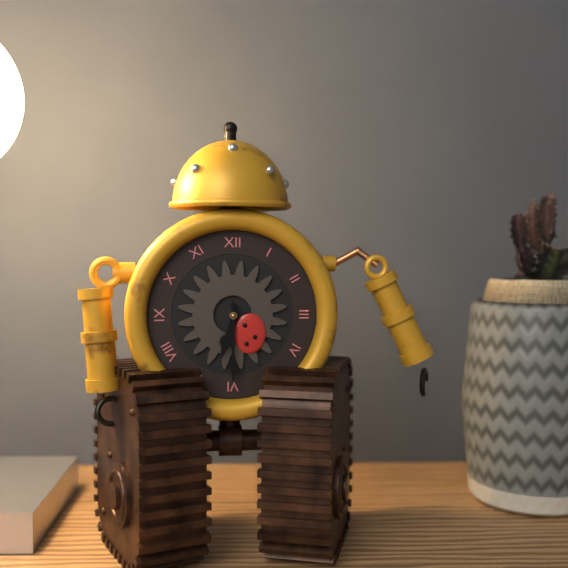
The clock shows 6:30
